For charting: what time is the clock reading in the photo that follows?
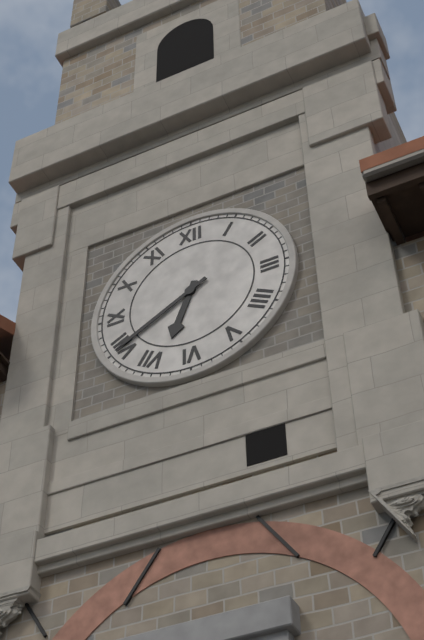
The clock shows 6:40
